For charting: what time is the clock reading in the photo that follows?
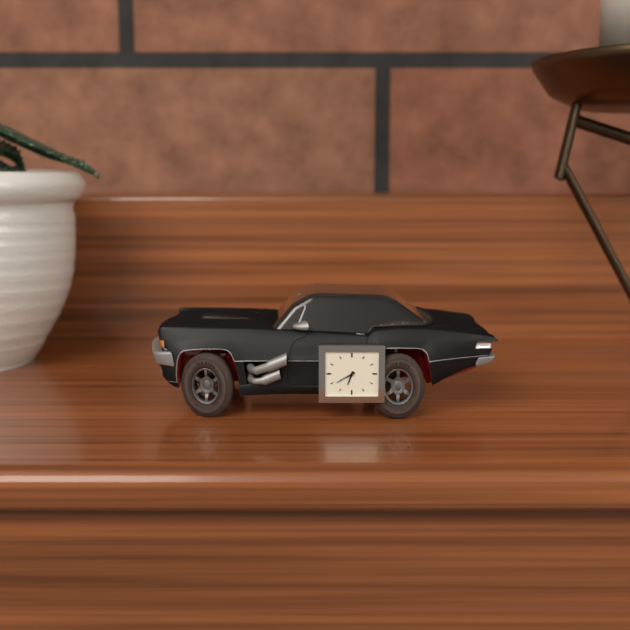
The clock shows 6:40
